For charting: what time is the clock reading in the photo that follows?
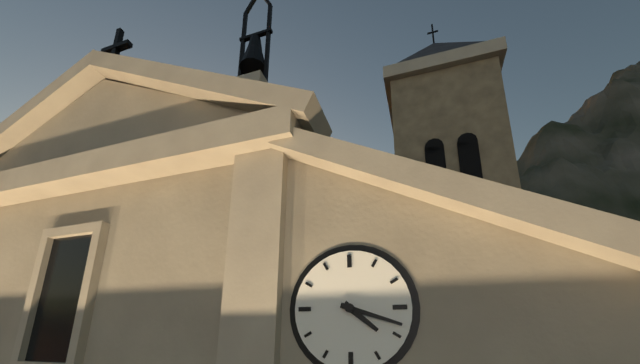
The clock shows 4:18
